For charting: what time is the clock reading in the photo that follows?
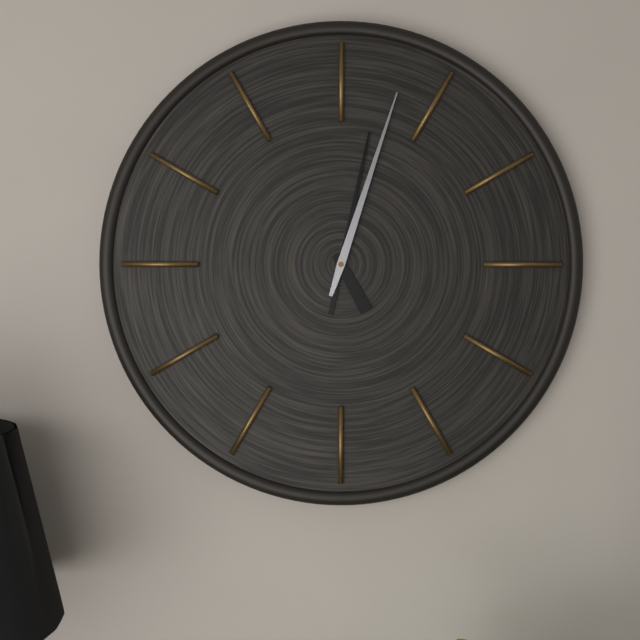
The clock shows 5:02:03
